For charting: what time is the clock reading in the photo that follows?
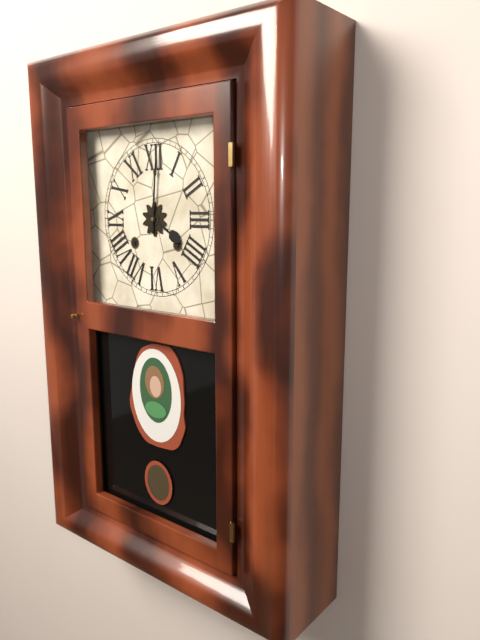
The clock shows 4:01
